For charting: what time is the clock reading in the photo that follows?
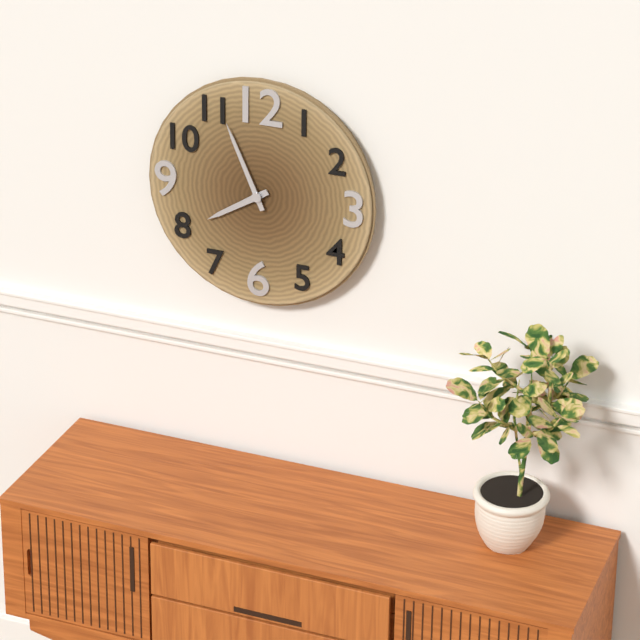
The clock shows 7:56
